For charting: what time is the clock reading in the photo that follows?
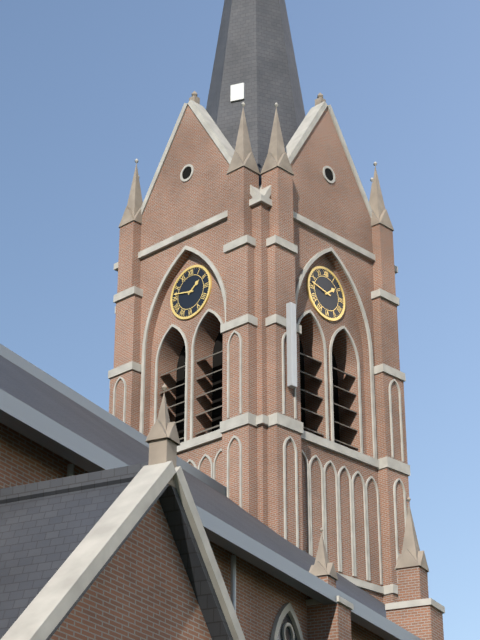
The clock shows 1:47
